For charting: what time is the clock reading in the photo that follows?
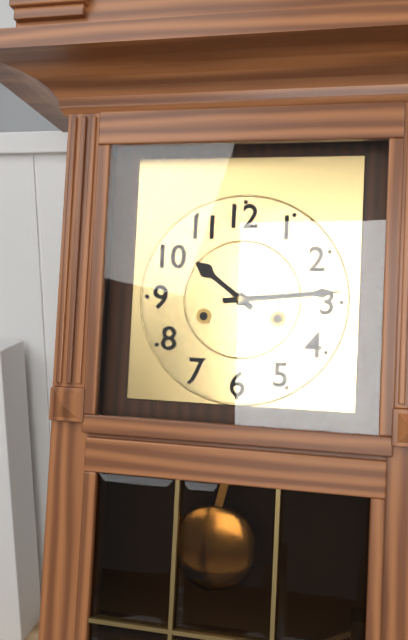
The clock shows 10:14
